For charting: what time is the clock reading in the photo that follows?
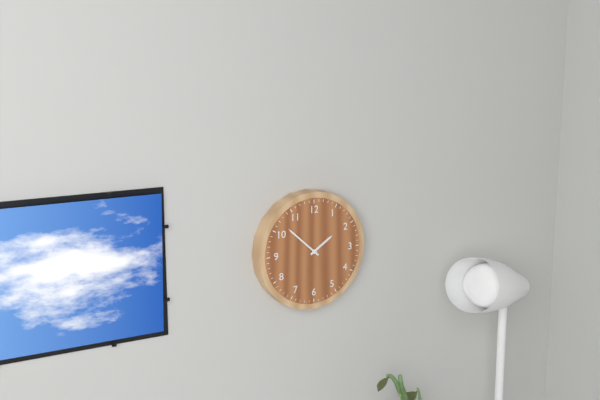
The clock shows 1:52
